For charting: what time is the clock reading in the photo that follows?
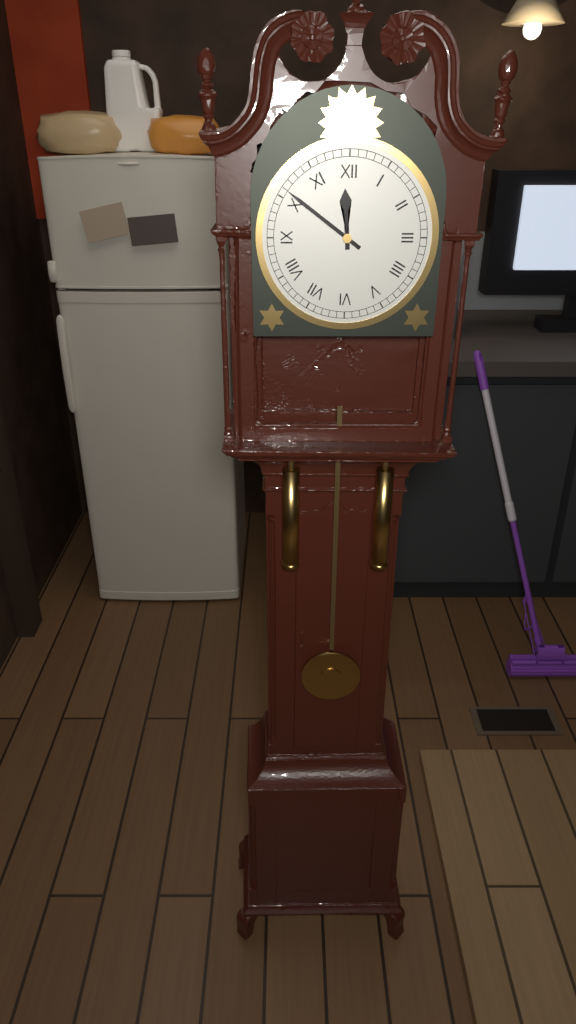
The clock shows 11:51
